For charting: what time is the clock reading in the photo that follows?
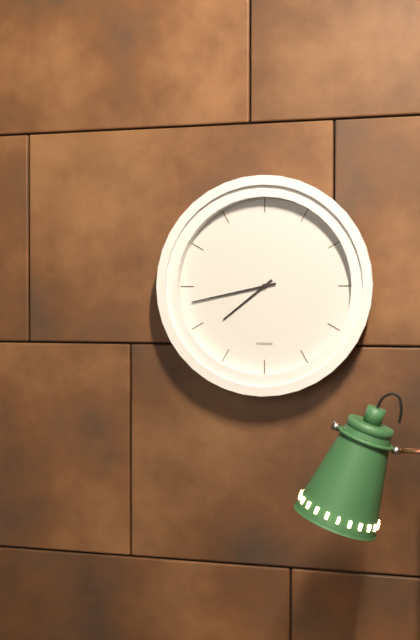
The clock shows 7:43
